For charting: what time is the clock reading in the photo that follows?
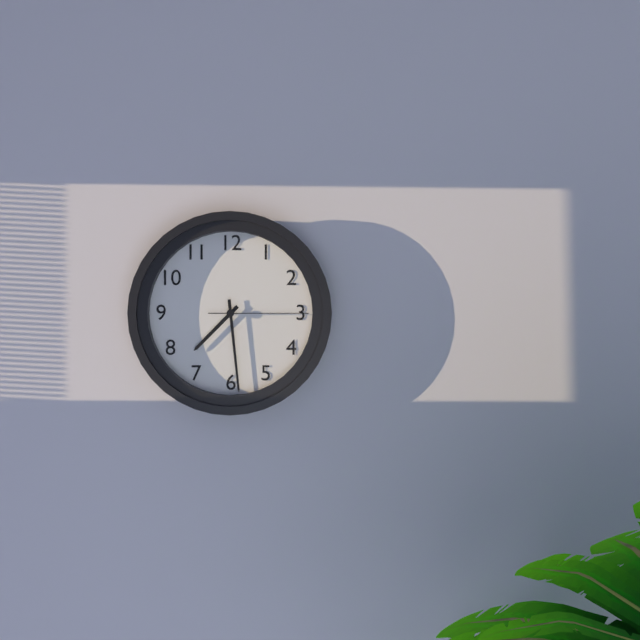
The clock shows 7:29:15
